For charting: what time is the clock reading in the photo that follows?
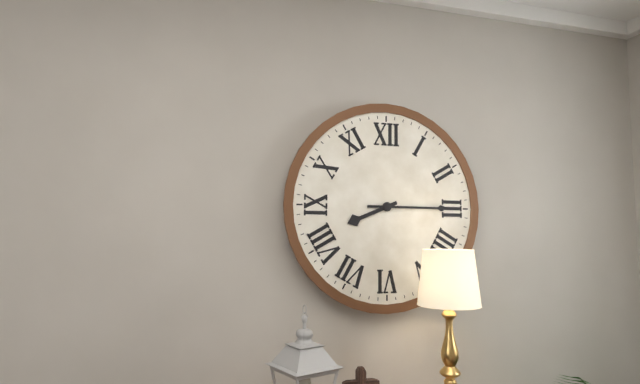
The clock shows 8:15
